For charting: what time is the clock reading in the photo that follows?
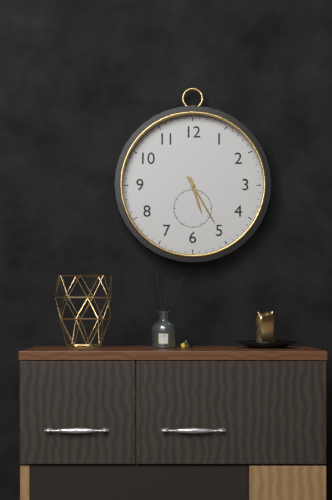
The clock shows 5:25
